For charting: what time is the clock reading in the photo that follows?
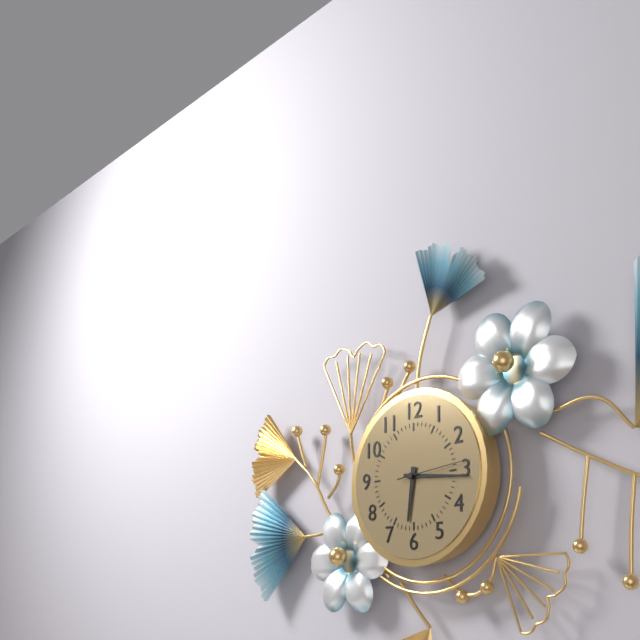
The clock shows 6:16:14
